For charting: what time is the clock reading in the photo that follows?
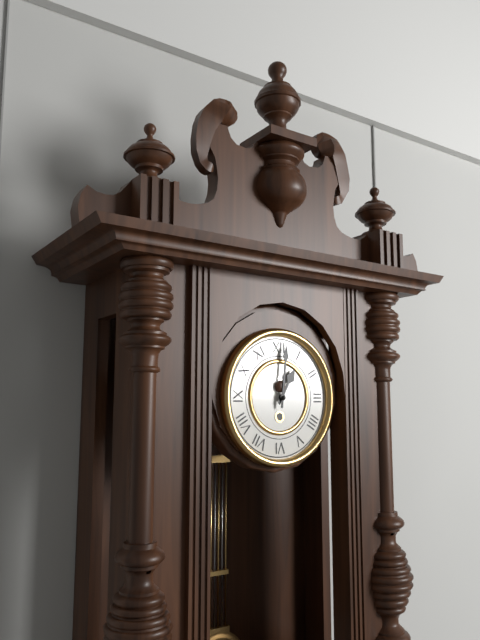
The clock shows 1:01
